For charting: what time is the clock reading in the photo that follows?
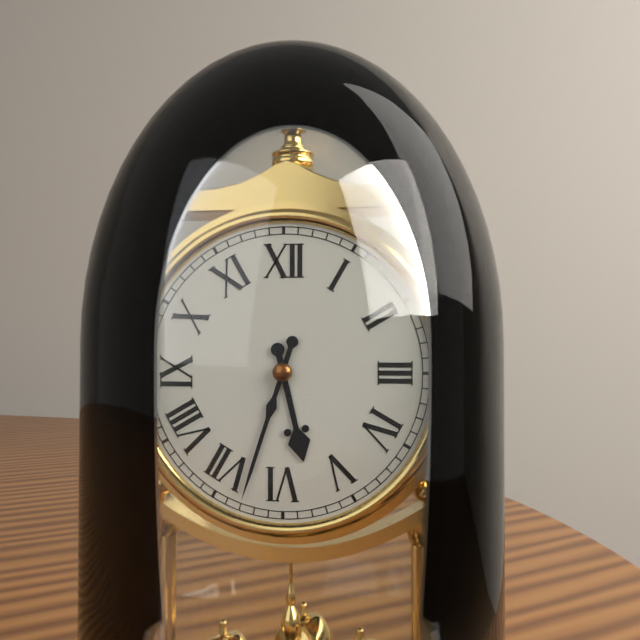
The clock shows 5:33
